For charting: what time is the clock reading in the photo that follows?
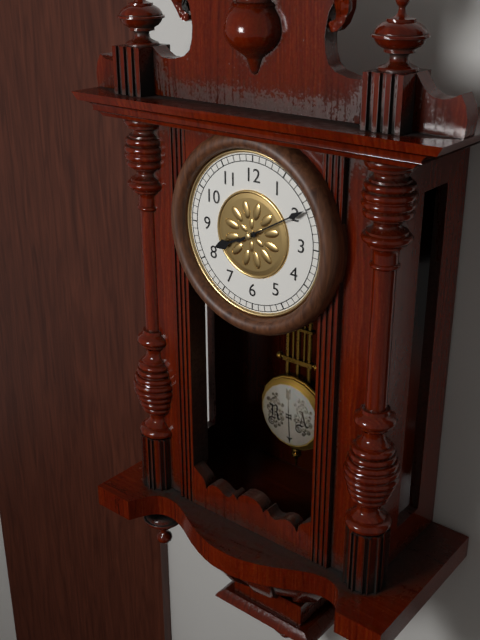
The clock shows 8:10
